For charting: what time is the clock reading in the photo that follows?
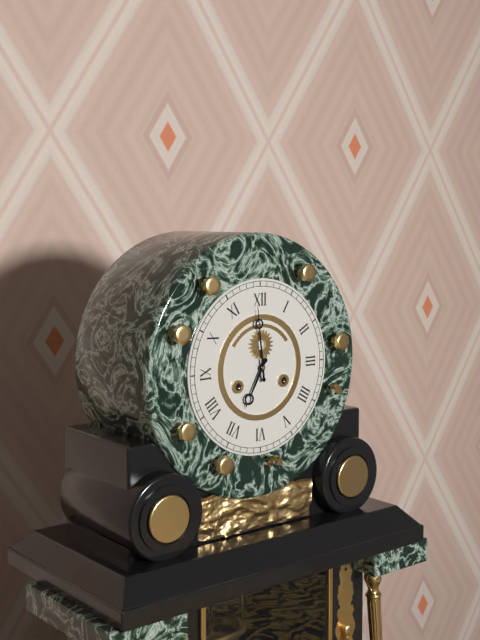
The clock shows 6:59
